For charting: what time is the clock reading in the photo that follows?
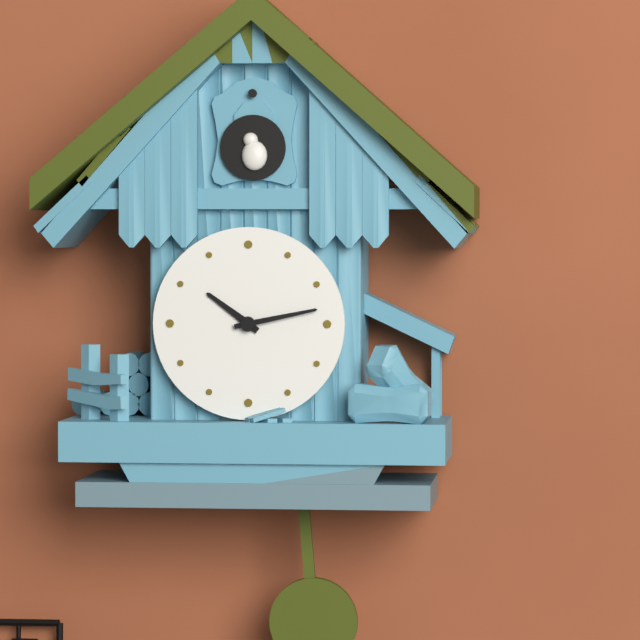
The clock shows 10:13
